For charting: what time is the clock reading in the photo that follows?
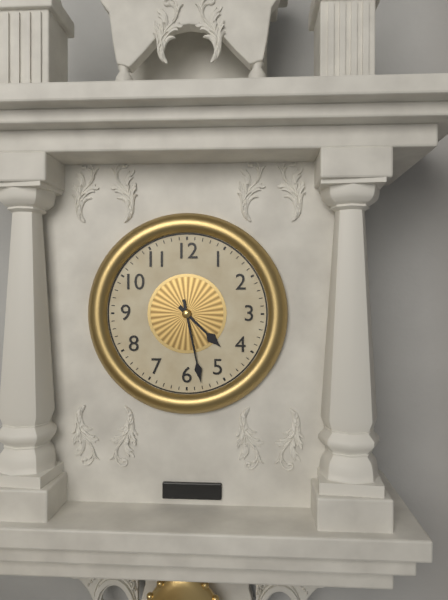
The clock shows 4:28
